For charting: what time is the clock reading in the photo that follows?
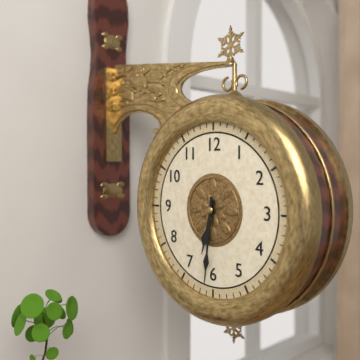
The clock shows 6:31
